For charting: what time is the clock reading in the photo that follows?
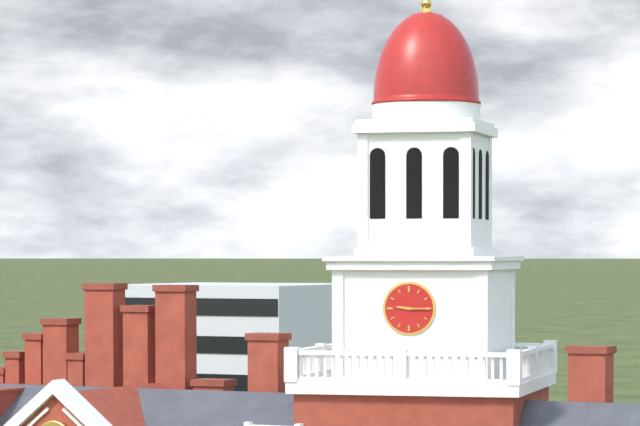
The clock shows 9:15
